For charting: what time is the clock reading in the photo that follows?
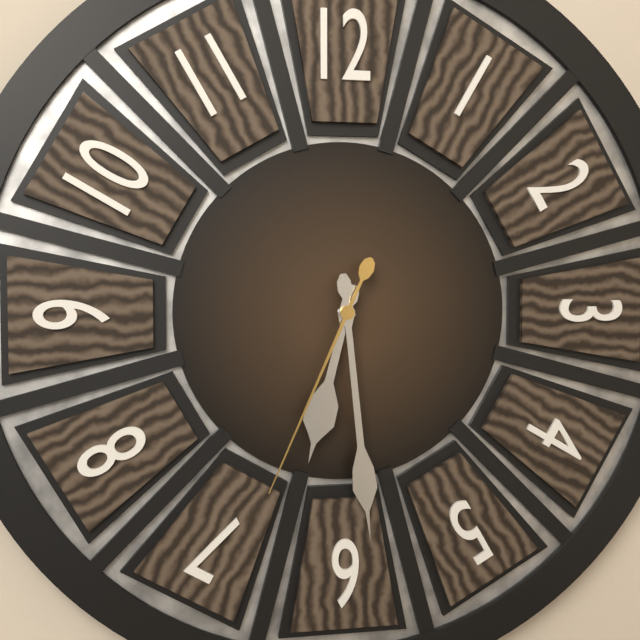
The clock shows 6:29:34
